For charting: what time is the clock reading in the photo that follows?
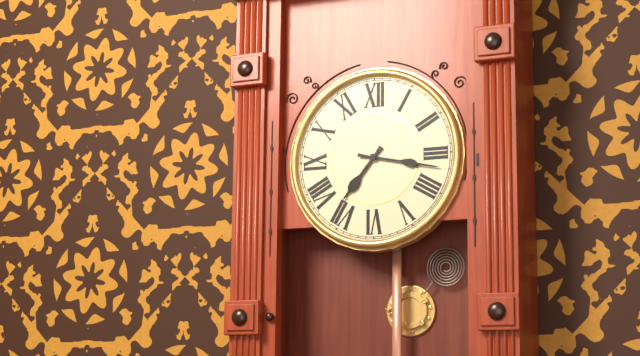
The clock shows 7:17
